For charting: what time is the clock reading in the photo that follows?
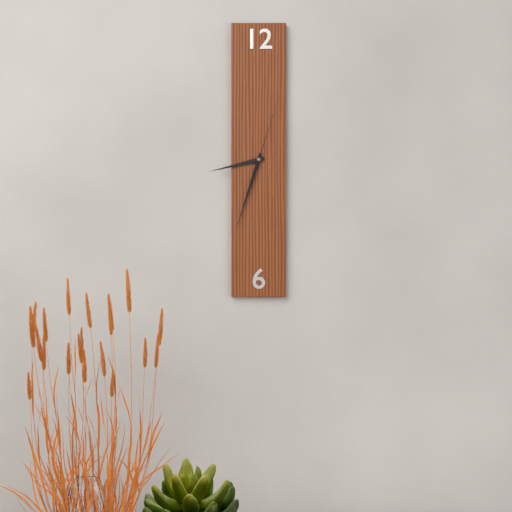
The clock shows 8:33:03
